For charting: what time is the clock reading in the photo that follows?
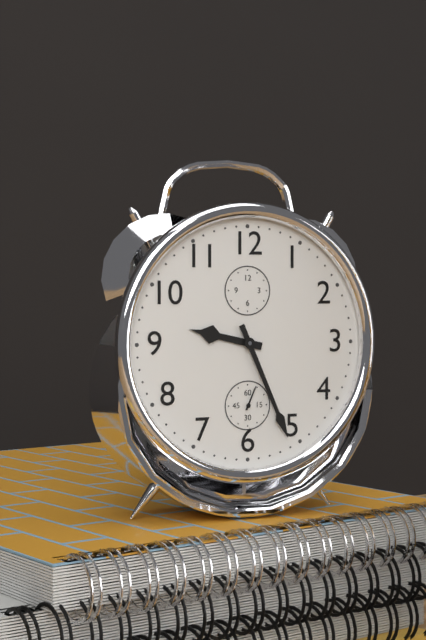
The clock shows 9:26
